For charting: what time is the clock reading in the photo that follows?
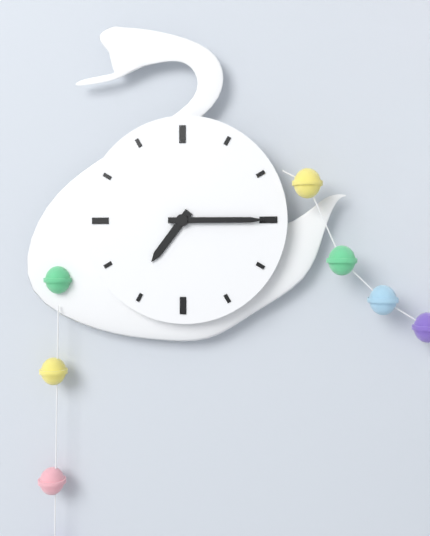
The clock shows 7:15
